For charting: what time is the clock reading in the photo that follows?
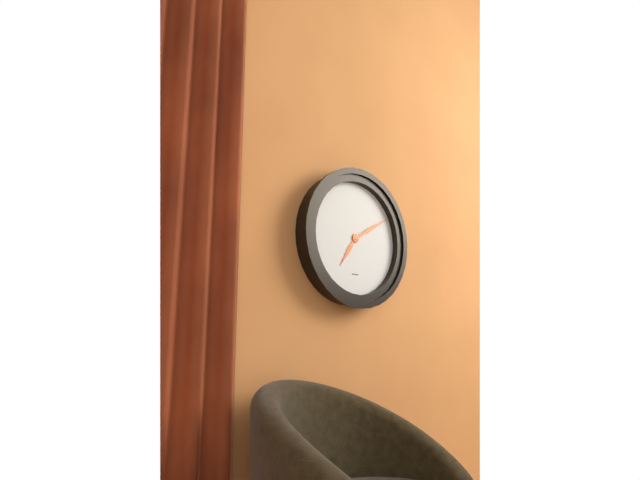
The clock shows 7:10
